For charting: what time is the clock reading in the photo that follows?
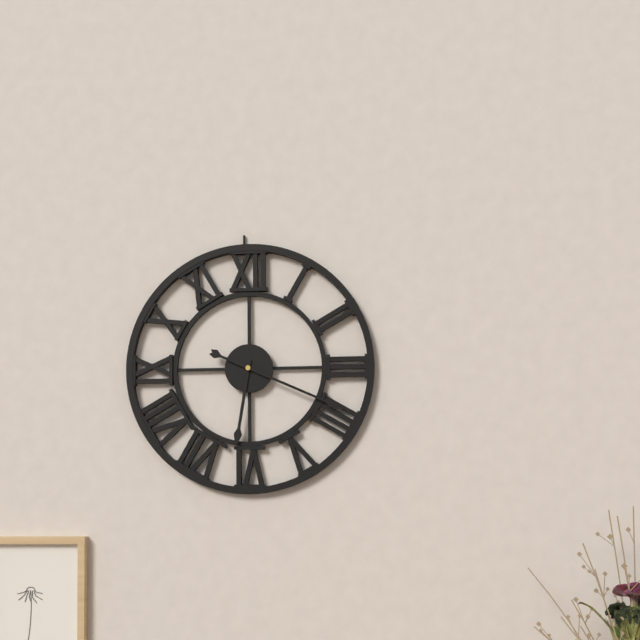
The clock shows 6:19
